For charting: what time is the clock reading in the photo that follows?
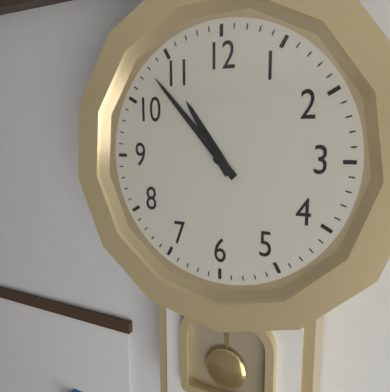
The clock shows 10:53
